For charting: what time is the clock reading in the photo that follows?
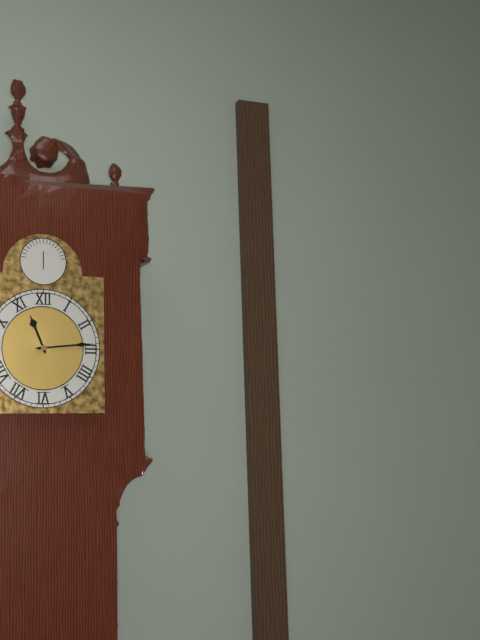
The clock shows 11:14
